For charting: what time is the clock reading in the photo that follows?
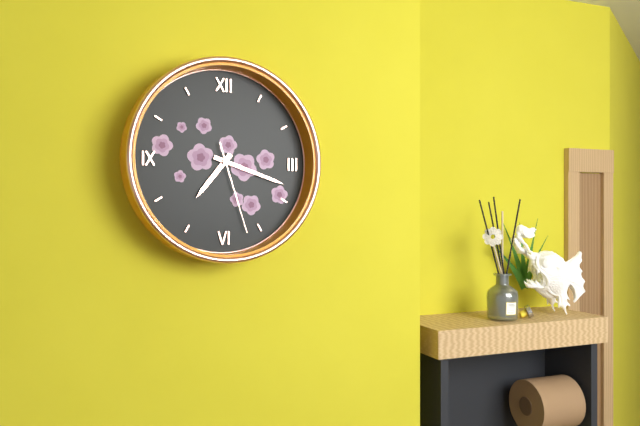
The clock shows 7:18:27
